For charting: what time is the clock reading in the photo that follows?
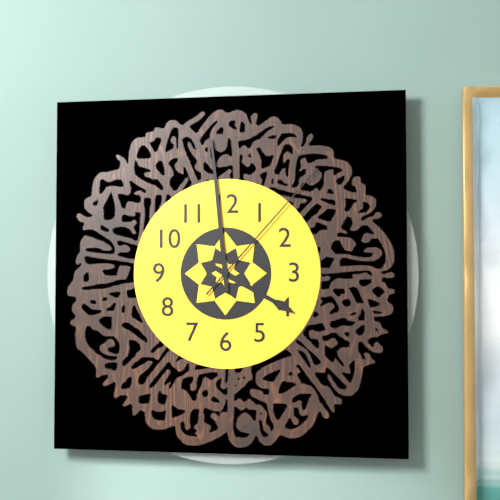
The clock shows 3:59:07
